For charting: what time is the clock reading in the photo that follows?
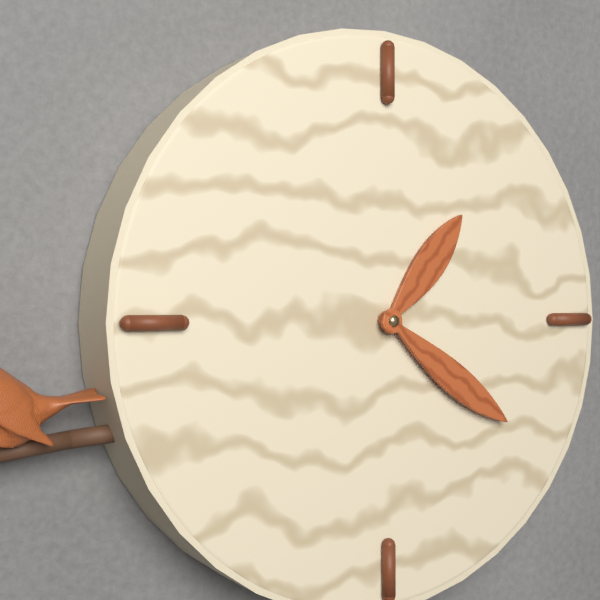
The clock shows 1:21
